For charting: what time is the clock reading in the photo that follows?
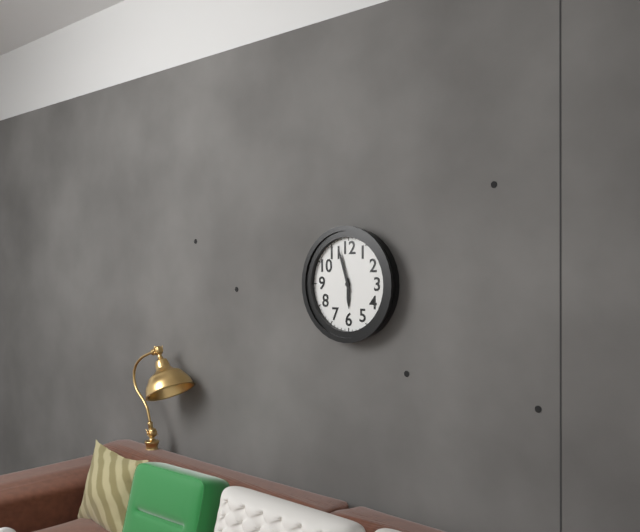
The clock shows 5:57
